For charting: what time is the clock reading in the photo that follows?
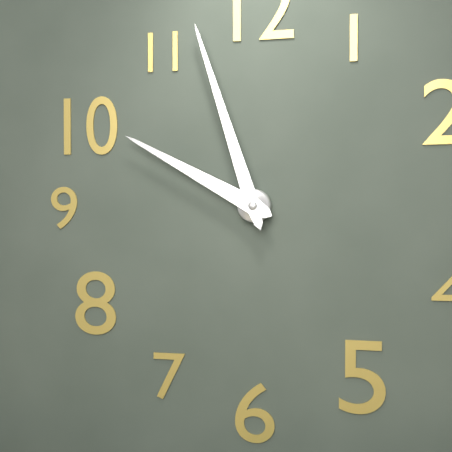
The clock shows 9:57
